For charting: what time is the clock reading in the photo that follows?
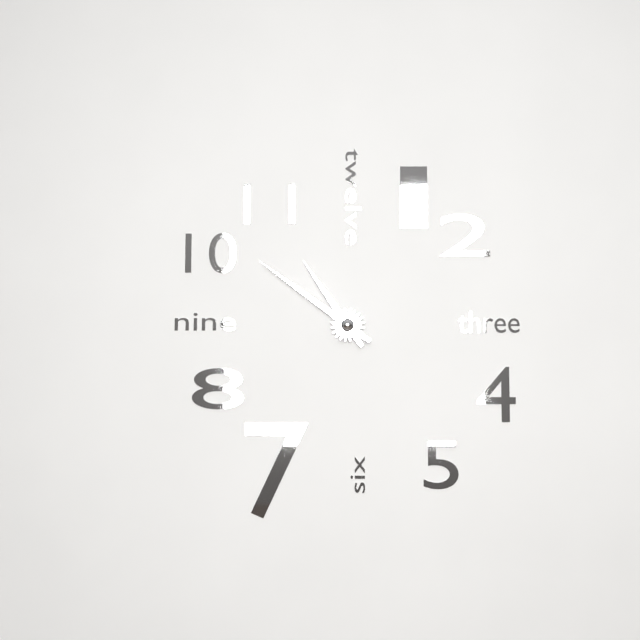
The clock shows 10:51
